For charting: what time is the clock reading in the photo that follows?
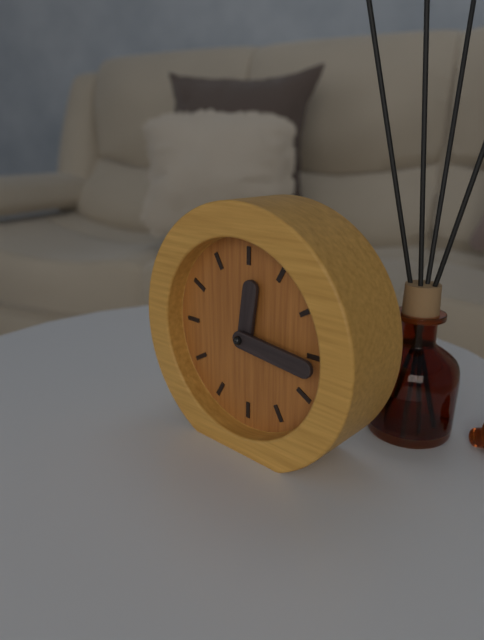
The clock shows 12:16
